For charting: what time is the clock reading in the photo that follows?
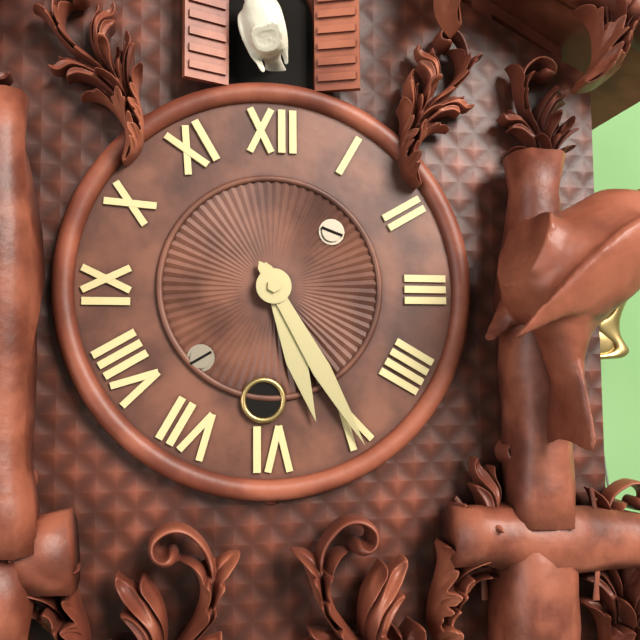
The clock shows 5:25
